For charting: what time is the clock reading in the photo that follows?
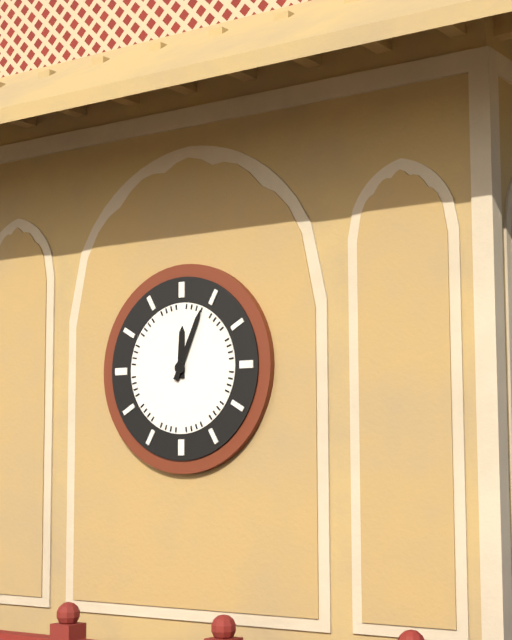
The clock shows 12:04
